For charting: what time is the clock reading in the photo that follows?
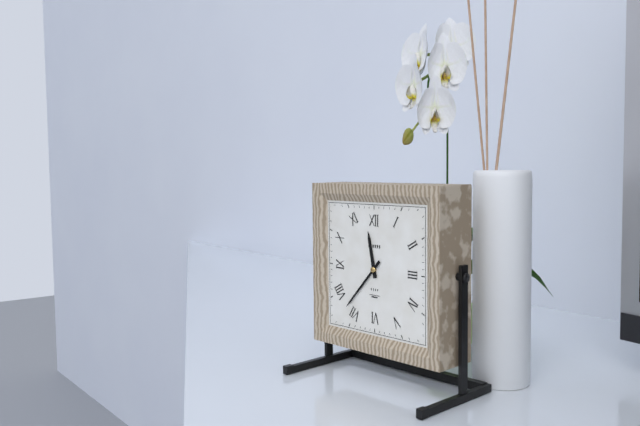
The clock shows 11:37
